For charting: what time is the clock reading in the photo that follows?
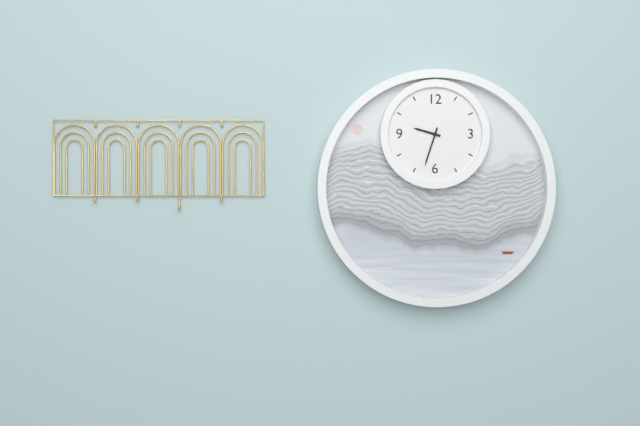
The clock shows 9:33
